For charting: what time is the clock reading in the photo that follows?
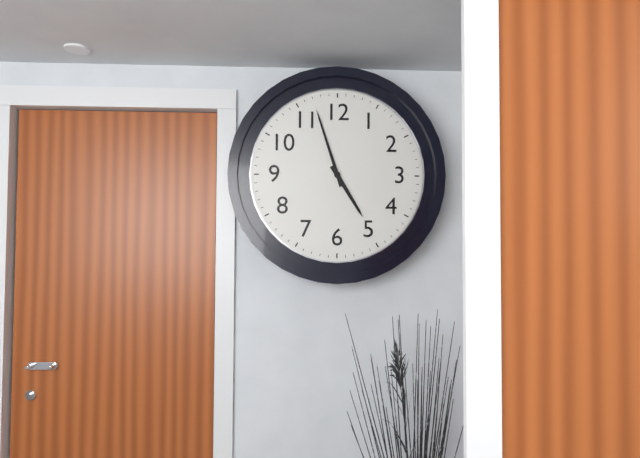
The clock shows 4:57
